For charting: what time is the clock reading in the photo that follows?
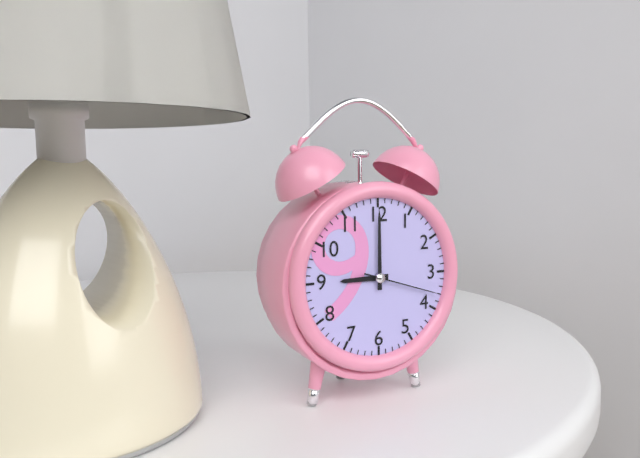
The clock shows 9:00:18
